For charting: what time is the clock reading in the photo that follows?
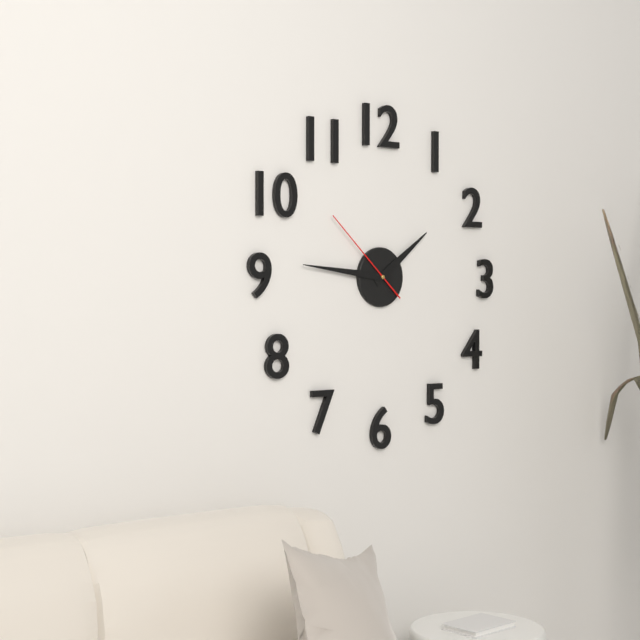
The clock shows 1:46:52
